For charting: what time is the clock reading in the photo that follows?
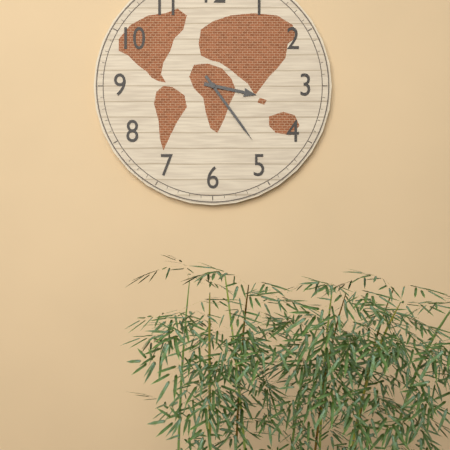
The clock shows 3:24
